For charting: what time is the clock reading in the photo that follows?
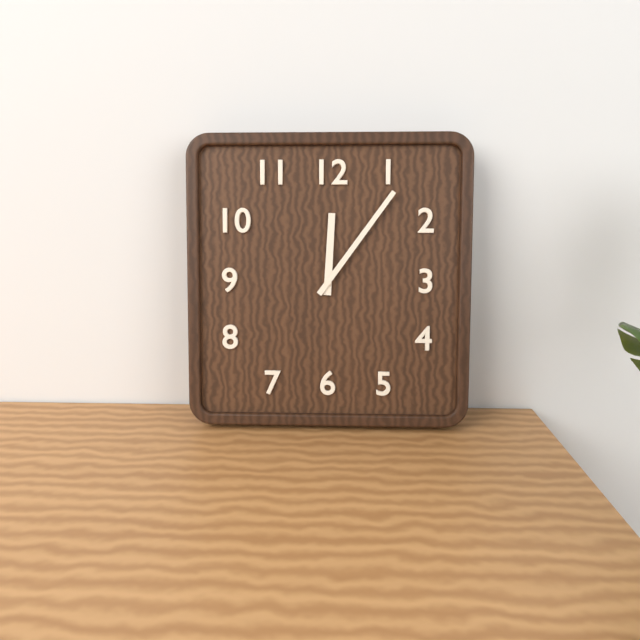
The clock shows 12:06
